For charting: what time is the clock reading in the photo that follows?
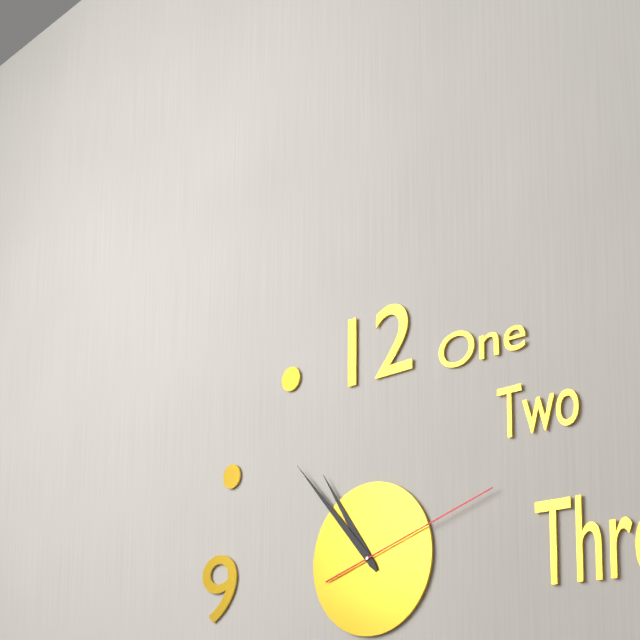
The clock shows 10:53:12
